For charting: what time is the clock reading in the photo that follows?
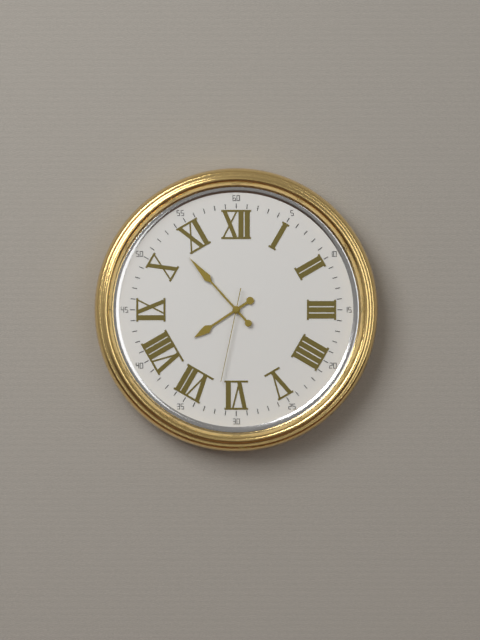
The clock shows 7:53:32
